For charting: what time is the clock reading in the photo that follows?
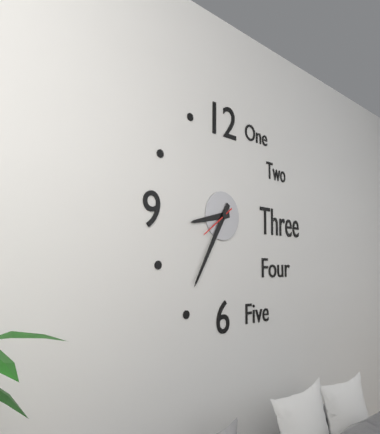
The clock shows 8:35
